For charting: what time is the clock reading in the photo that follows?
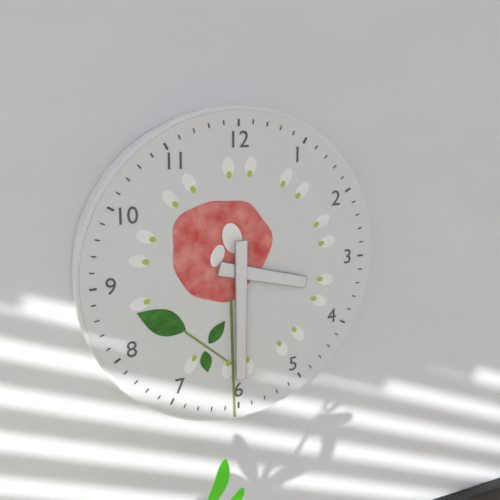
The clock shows 3:30
